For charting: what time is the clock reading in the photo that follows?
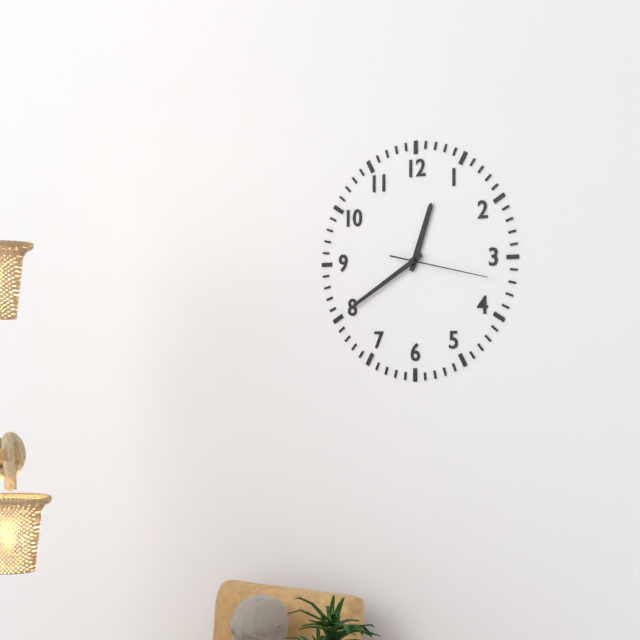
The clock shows 12:40:17
